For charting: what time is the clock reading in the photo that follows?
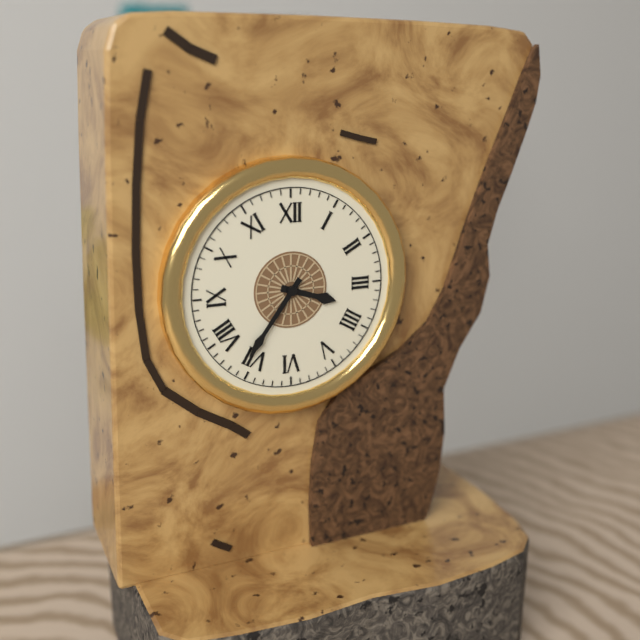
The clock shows 3:36
